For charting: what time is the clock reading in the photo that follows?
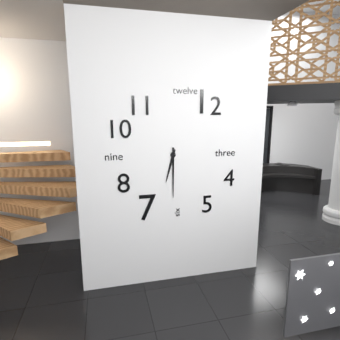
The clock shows 6:30
